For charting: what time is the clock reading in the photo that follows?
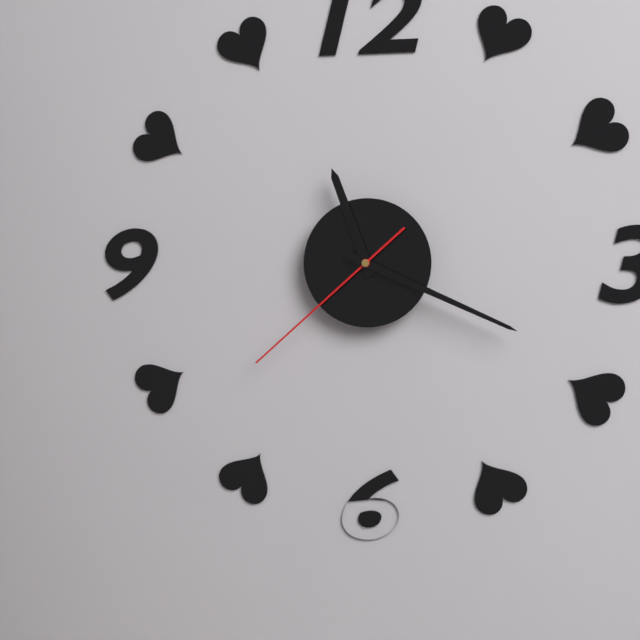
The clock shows 11:19:38
